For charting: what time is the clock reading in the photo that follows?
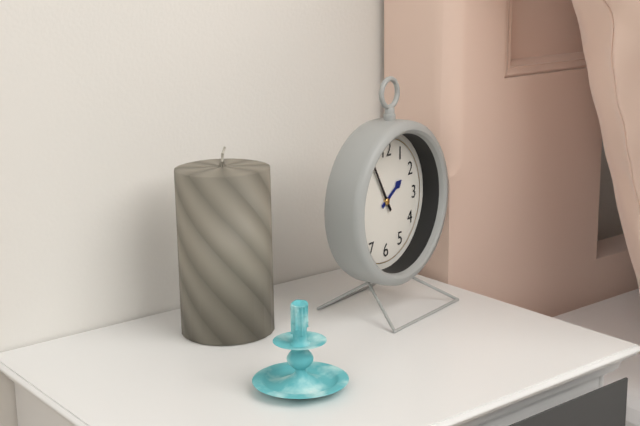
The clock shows 1:55
